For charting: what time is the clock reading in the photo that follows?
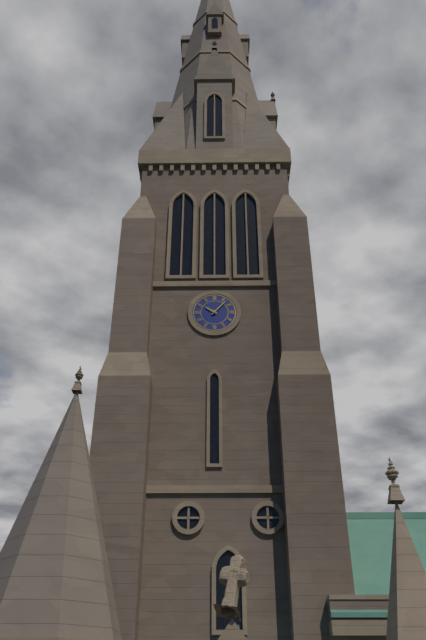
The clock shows 10:07
